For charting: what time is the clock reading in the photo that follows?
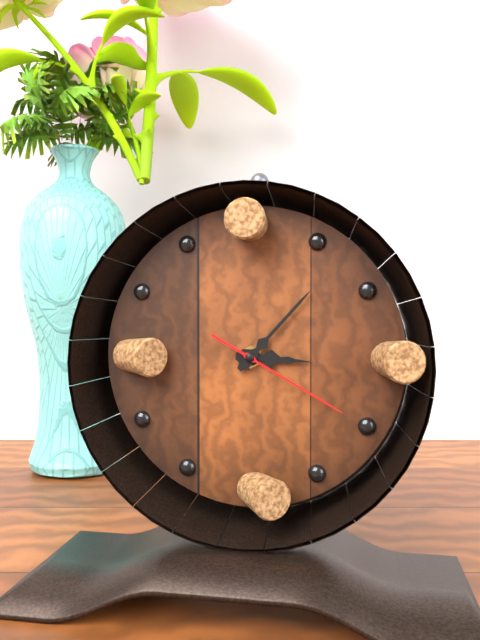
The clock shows 3:07:20
